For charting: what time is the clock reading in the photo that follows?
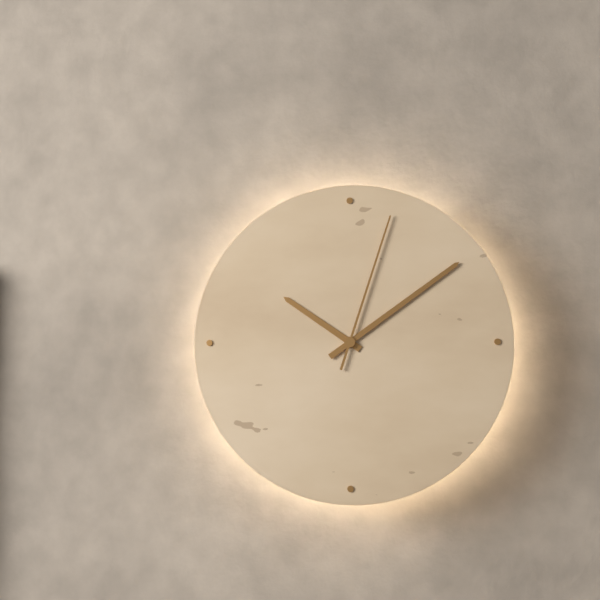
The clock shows 10:09:03
